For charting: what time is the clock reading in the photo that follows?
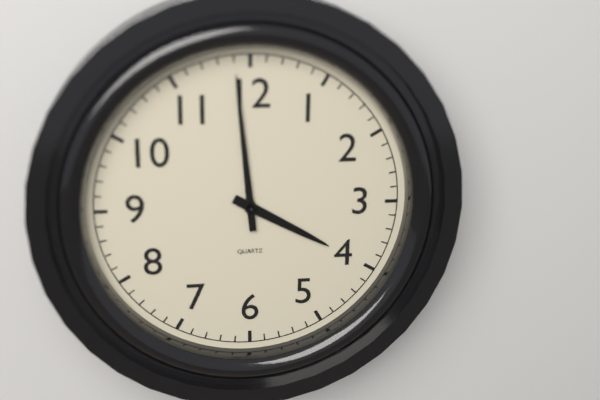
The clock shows 3:59
